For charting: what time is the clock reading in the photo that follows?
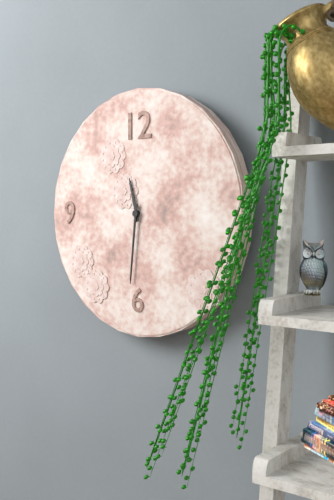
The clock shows 11:31
